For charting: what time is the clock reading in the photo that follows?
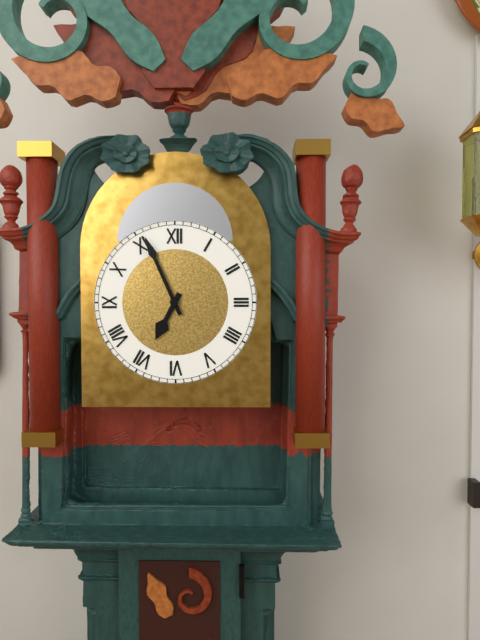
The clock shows 6:56
